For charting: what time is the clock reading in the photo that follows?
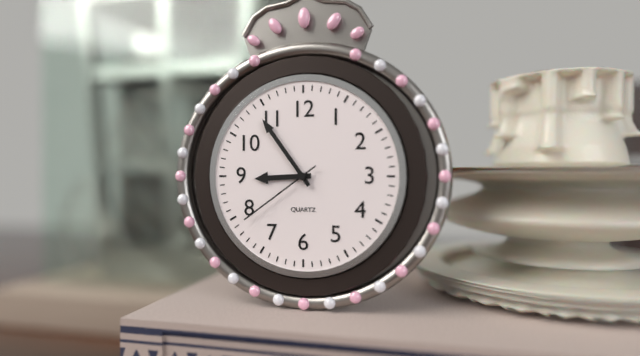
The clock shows 8:54:39
